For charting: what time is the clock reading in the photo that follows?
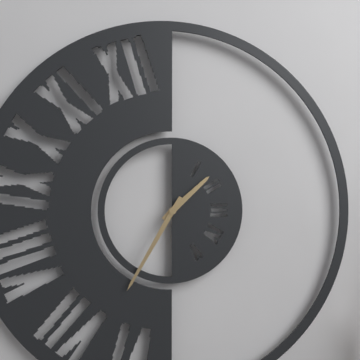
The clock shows 1:35
